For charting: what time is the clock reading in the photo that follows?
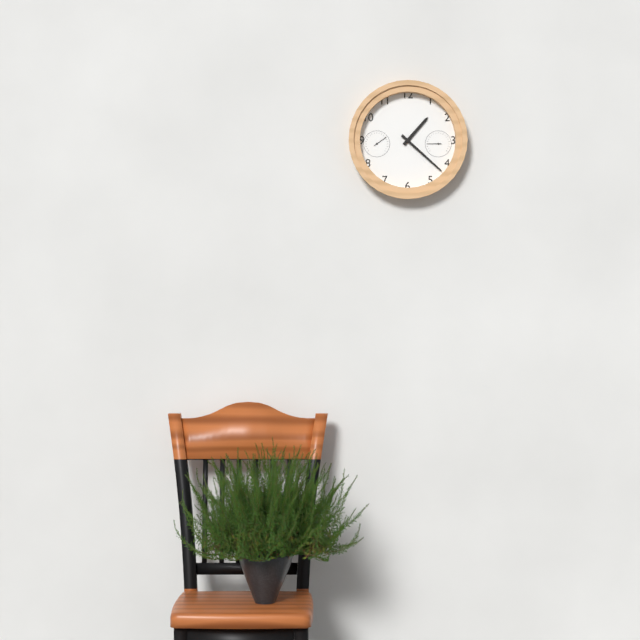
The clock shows 1:22
